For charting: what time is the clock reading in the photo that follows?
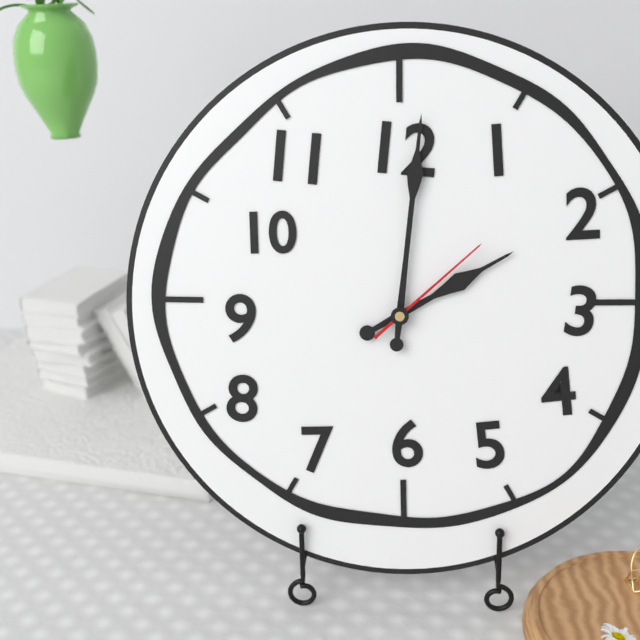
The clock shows 2:01:08
